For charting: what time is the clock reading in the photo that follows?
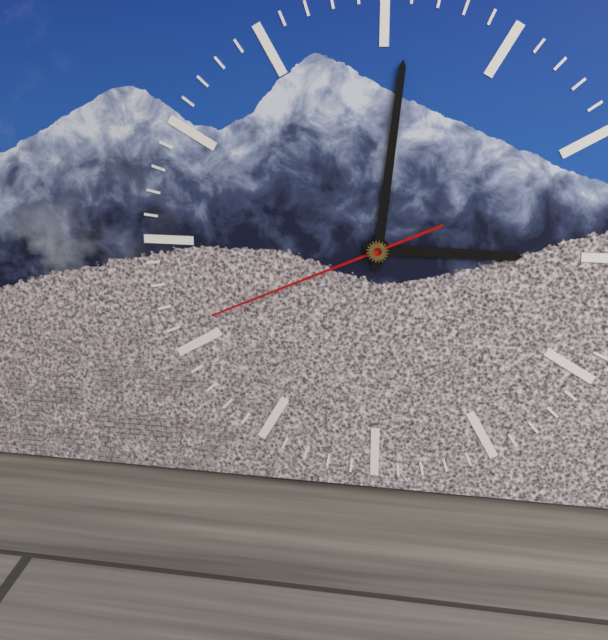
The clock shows 3:01:41
